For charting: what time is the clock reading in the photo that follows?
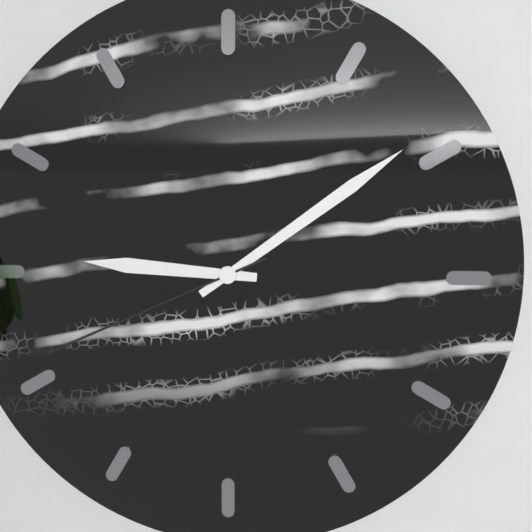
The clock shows 9:09:41
